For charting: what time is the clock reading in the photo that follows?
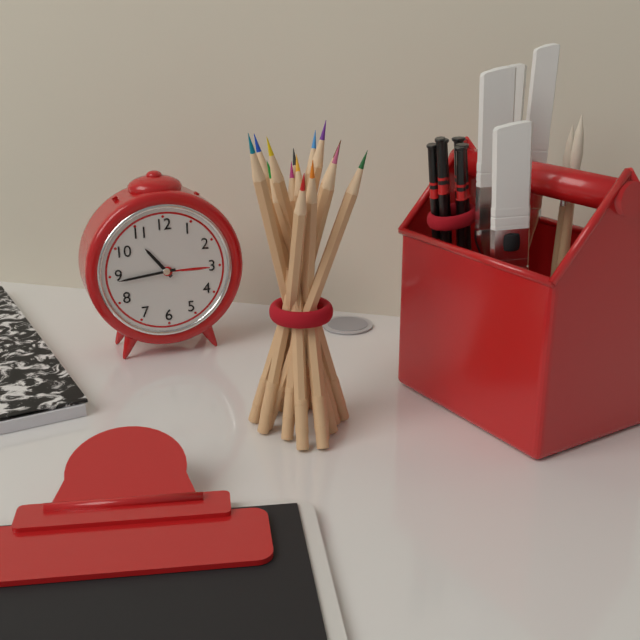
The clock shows 10:44
